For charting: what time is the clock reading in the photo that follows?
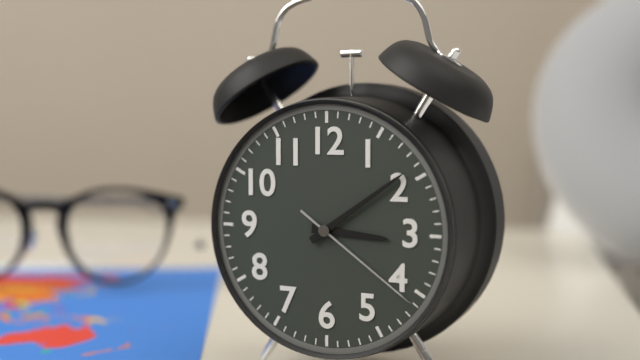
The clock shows 3:09:21
